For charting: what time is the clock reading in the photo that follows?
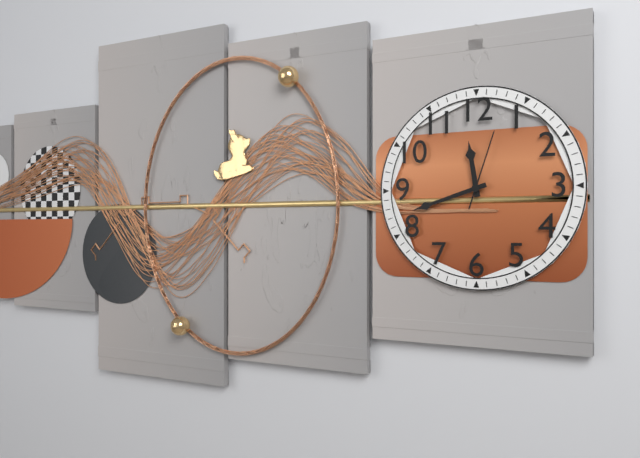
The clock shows 11:42:03
